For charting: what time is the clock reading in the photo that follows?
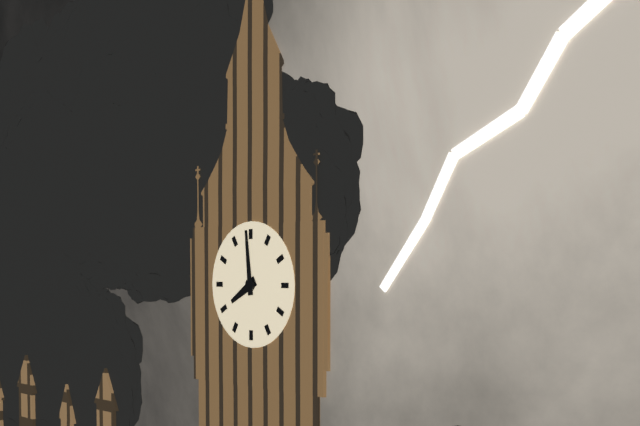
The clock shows 7:59
